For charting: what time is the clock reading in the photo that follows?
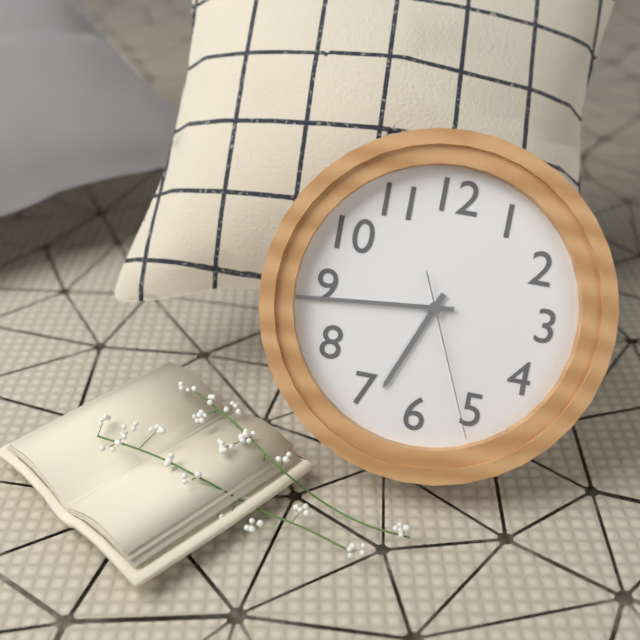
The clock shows 6:44:26
